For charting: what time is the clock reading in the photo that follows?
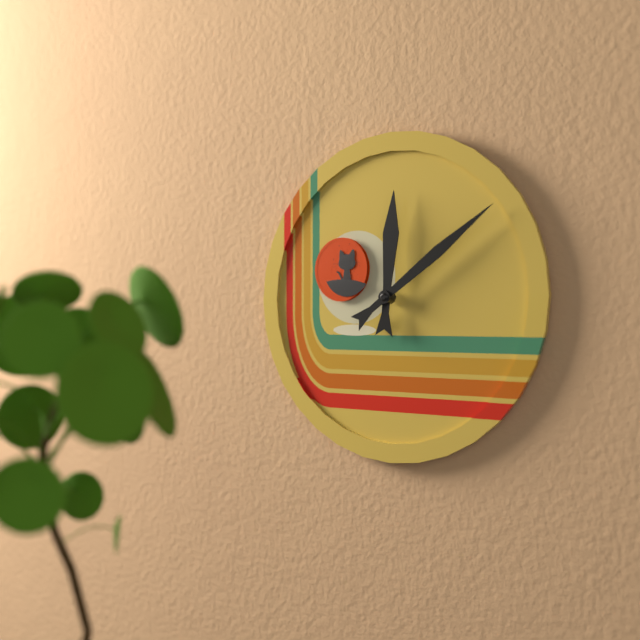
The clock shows 12:09
